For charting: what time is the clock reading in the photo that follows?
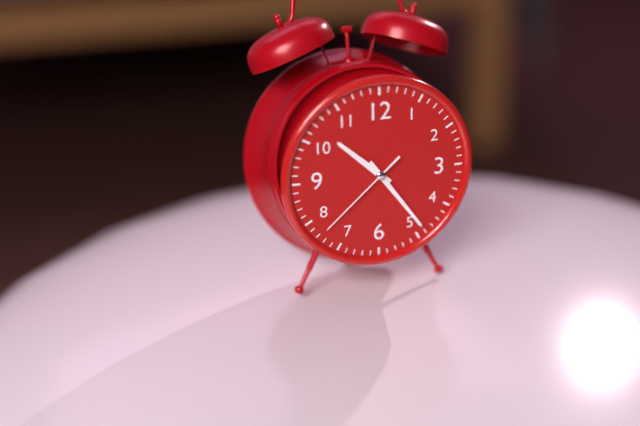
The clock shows 10:24:38
